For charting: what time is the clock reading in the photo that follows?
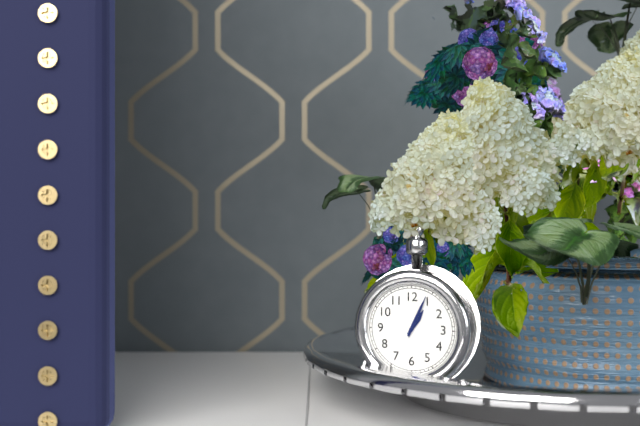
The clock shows 1:04
